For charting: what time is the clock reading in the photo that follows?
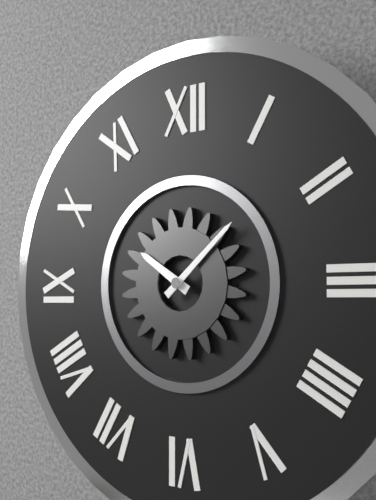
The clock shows 10:08
